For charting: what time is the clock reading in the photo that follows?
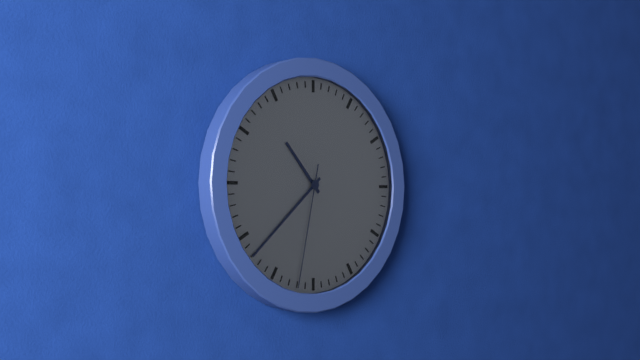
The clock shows 10:38:32
